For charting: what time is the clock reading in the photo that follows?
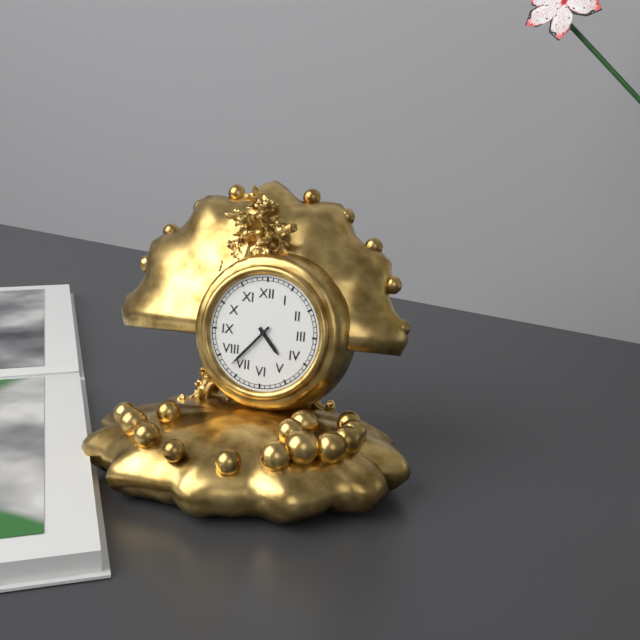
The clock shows 4:37
